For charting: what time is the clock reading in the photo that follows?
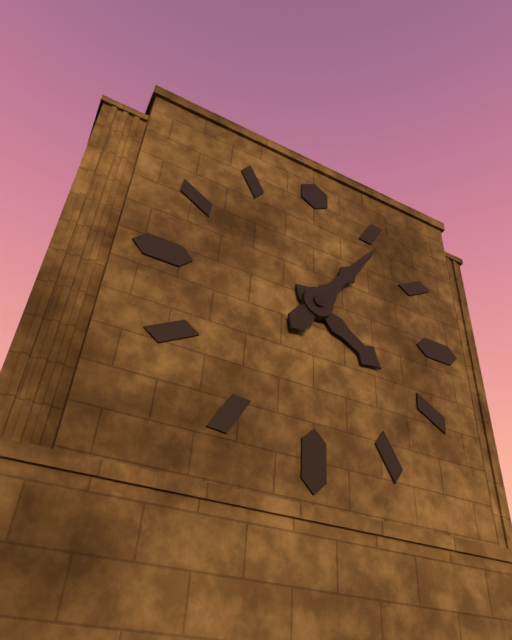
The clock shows 4:06
